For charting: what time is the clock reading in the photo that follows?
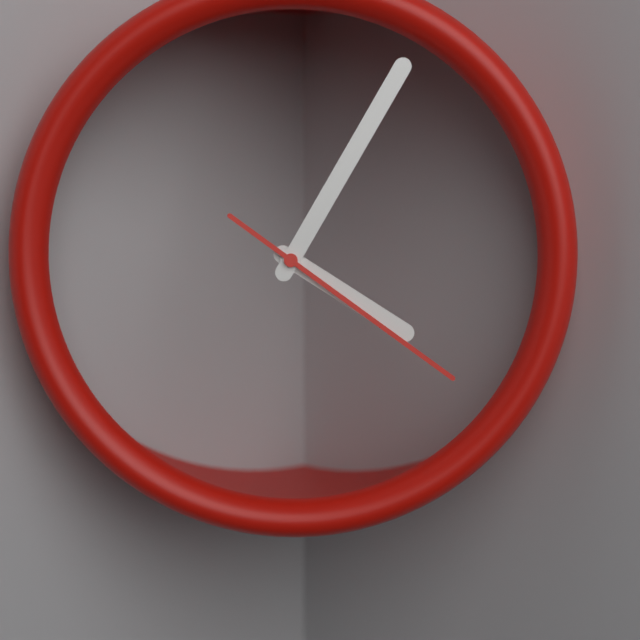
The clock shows 4:05:21
